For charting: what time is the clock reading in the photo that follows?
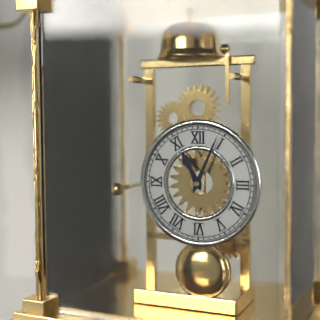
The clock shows 11:04
